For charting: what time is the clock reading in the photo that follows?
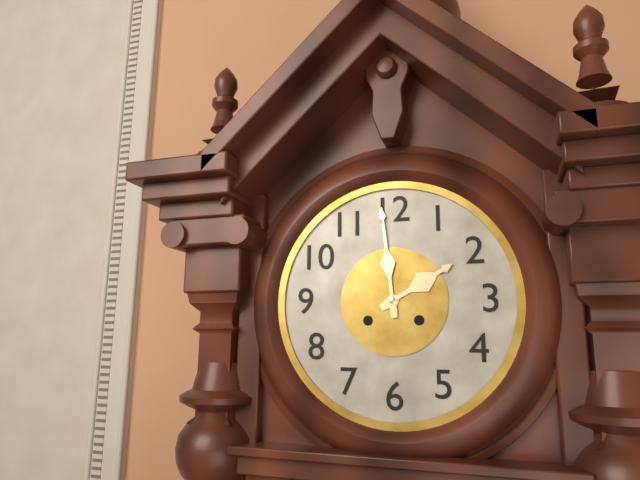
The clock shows 1:59
